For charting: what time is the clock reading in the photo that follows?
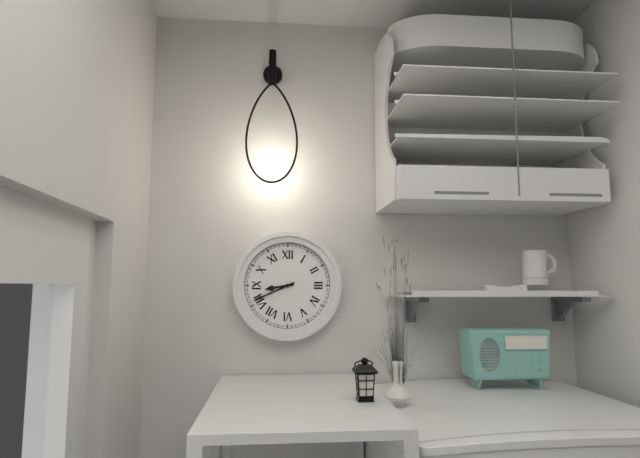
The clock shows 8:41
